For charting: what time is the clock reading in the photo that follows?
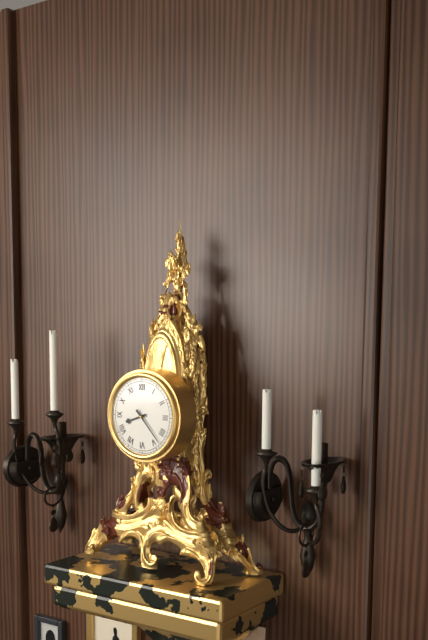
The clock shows 8:23
